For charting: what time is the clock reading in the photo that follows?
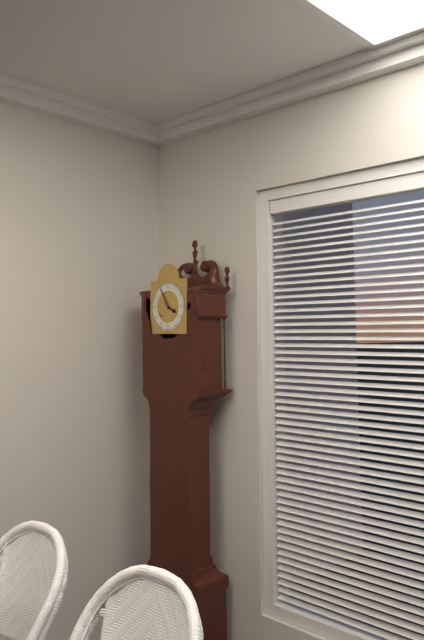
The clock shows 3:55
